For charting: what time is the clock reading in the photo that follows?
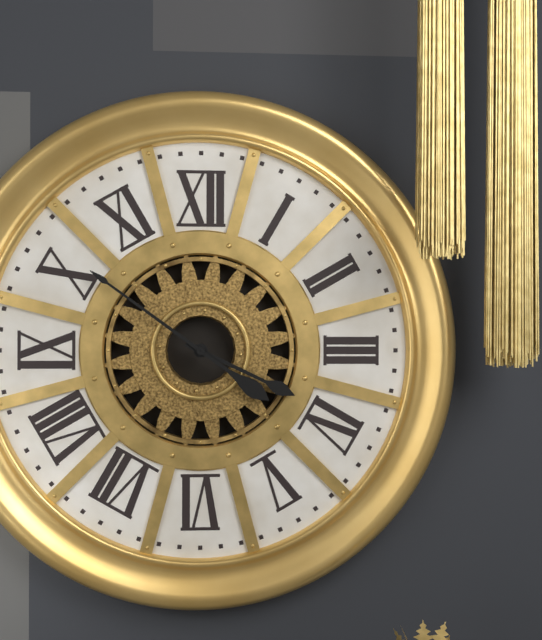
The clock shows 3:51
